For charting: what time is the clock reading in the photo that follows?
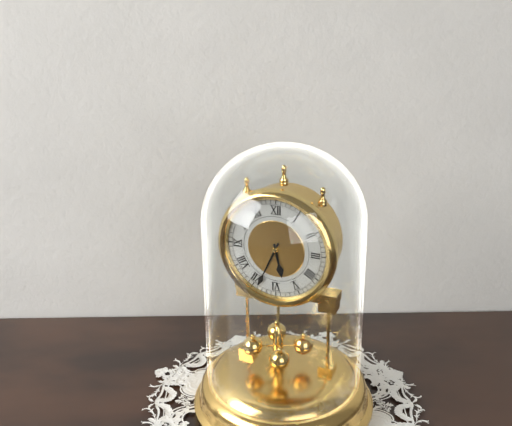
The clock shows 5:34
